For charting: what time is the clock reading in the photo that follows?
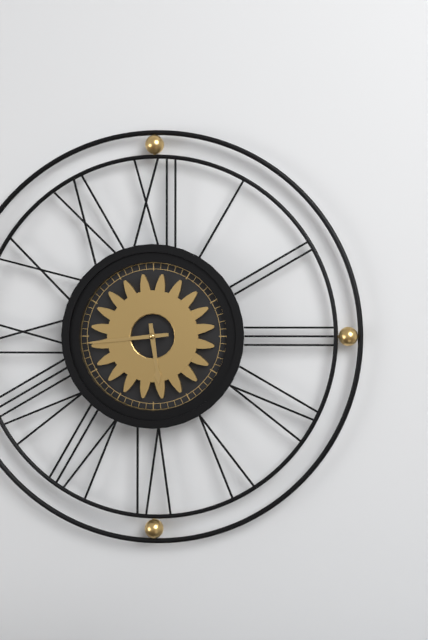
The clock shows 5:44
